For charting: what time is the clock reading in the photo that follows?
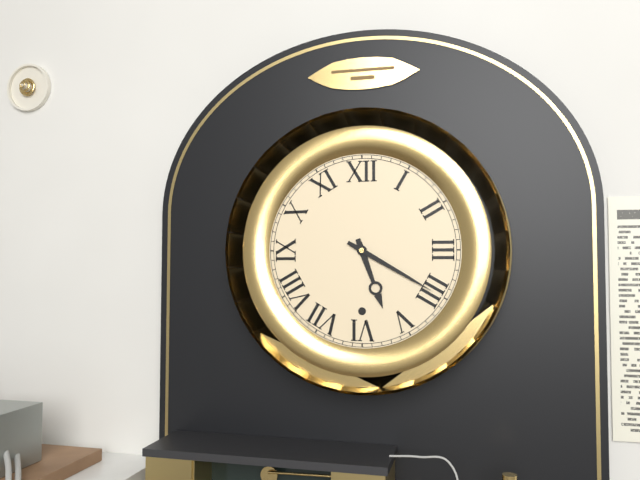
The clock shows 5:20
